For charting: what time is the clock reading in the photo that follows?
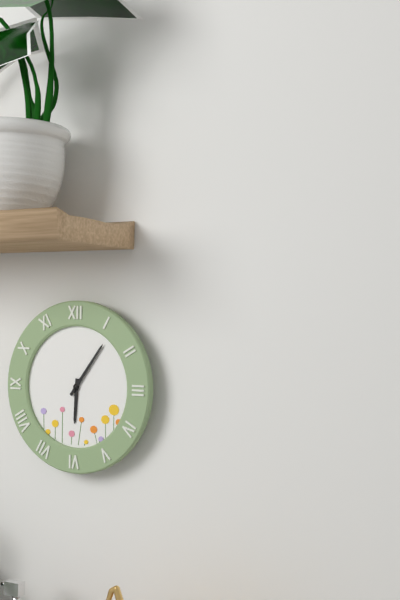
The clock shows 6:06
